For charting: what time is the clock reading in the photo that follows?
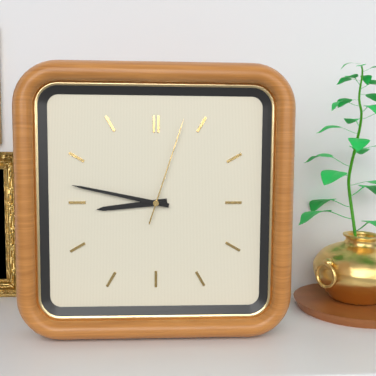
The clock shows 8:47:03
